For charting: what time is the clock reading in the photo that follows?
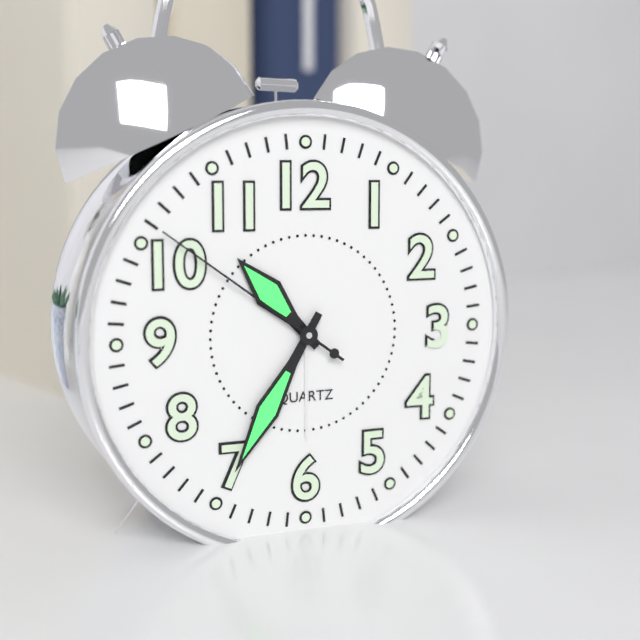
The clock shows 10:35:51
